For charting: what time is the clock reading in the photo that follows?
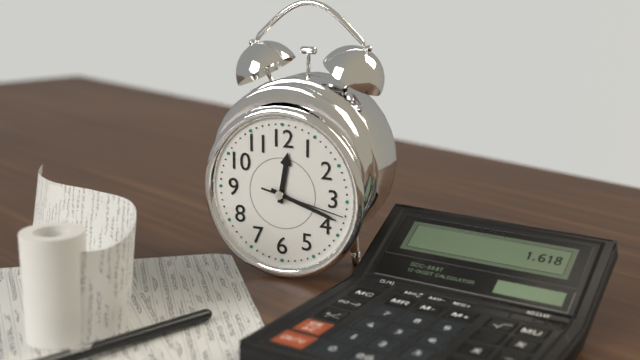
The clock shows 12:18:17
